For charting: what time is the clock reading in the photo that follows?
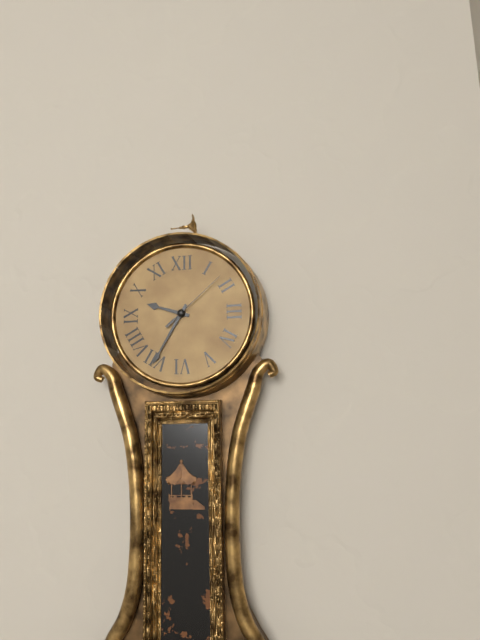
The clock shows 9:35:08
